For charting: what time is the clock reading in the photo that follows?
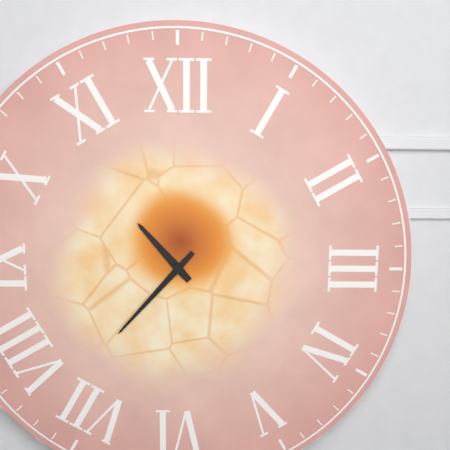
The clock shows 10:37
